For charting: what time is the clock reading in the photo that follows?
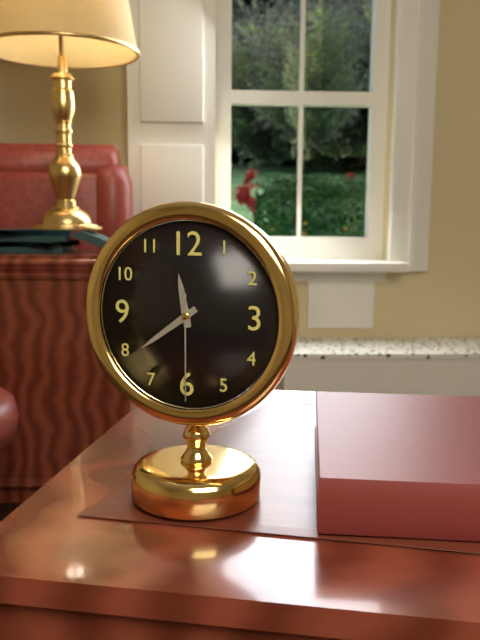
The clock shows 11:39:30
